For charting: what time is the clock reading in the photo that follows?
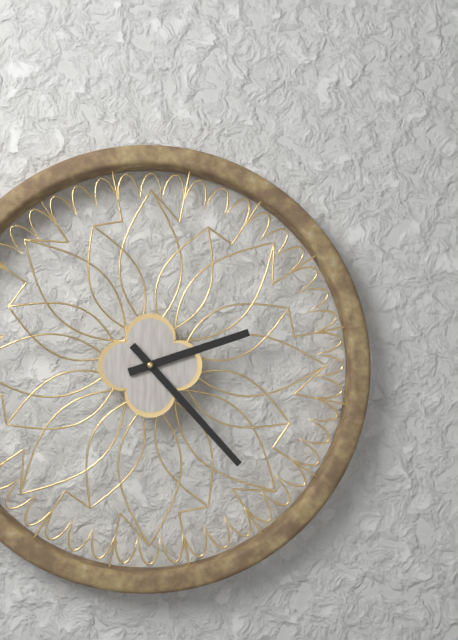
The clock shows 2:23
